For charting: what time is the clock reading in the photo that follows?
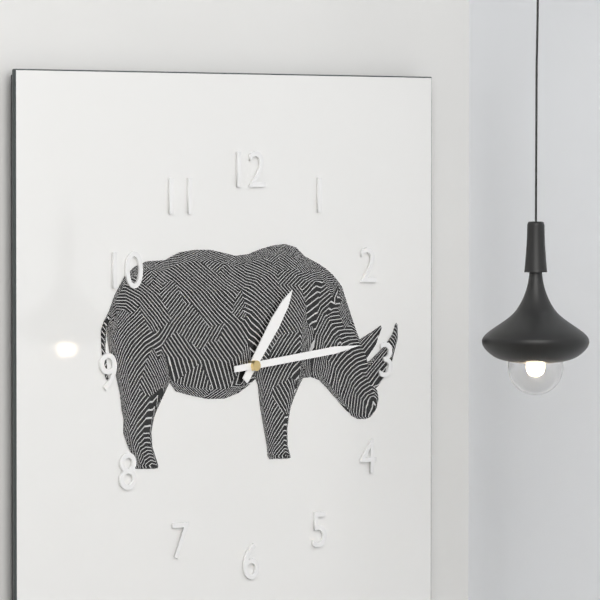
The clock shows 1:14
